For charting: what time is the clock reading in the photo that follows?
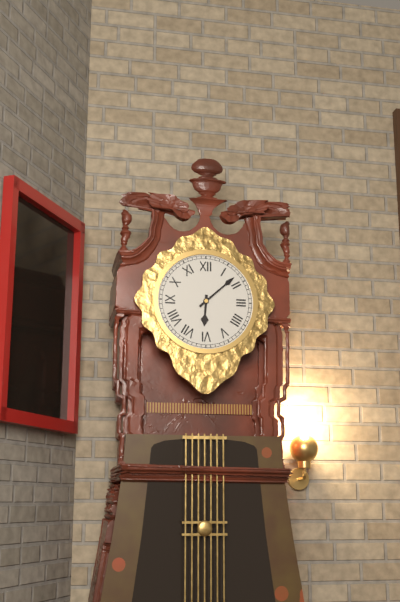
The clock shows 6:08
